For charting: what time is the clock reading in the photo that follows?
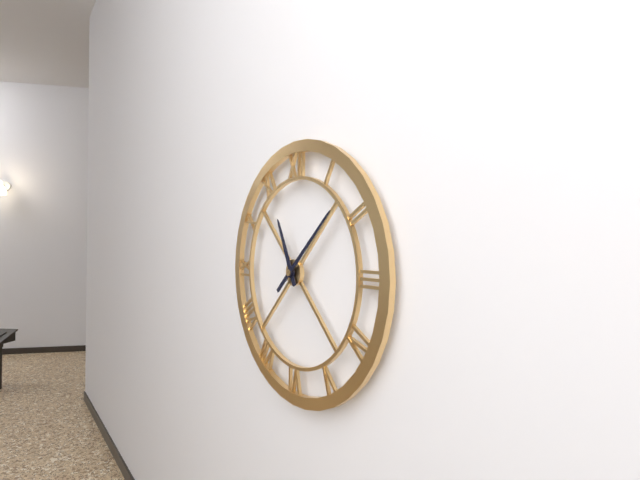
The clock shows 11:08
